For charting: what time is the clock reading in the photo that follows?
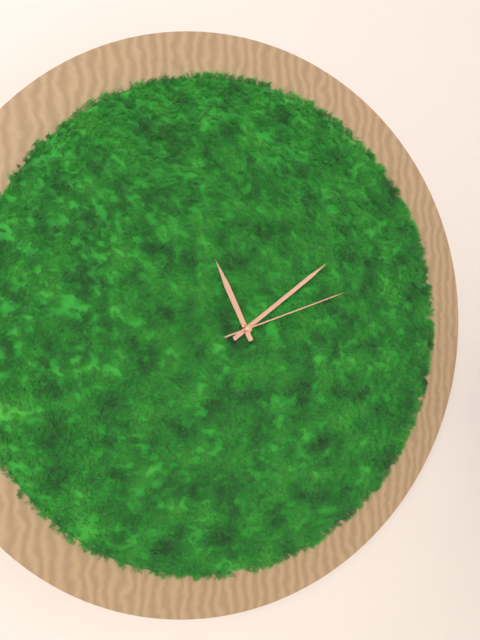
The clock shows 11:09:12
